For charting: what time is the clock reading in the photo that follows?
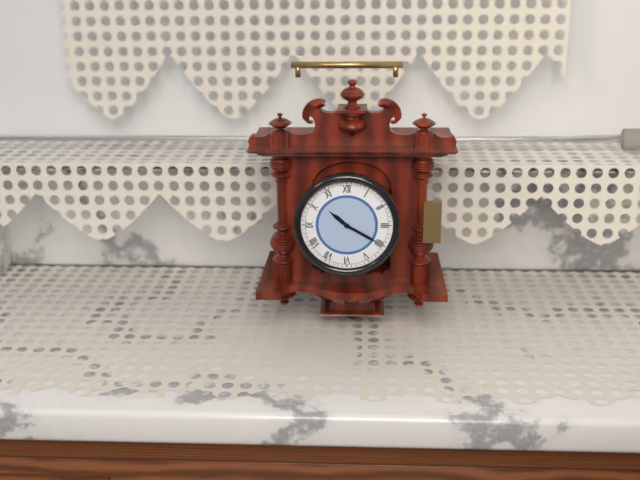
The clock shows 10:20
